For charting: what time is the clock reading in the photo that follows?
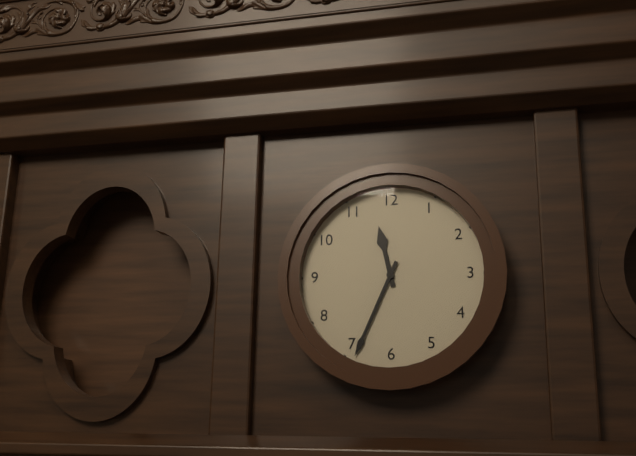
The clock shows 11:34
